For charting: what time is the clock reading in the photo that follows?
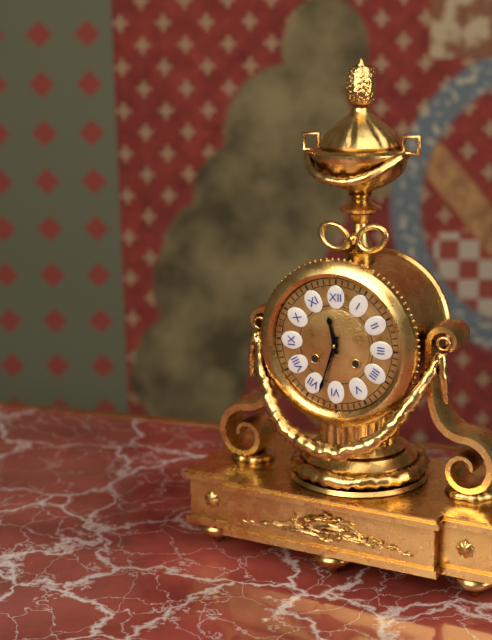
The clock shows 11:33
